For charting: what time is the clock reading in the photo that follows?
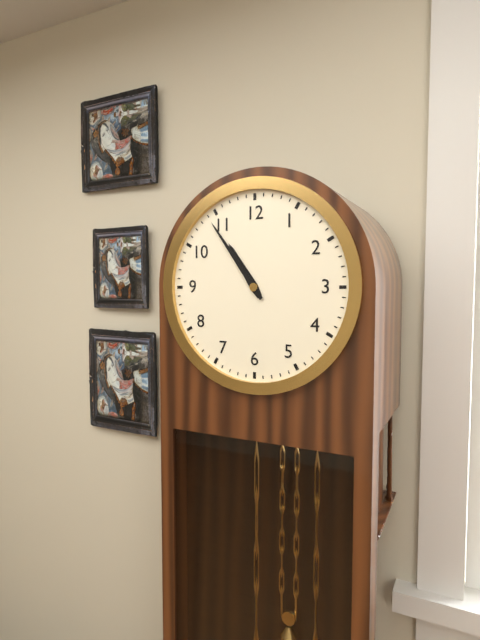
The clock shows 10:54
